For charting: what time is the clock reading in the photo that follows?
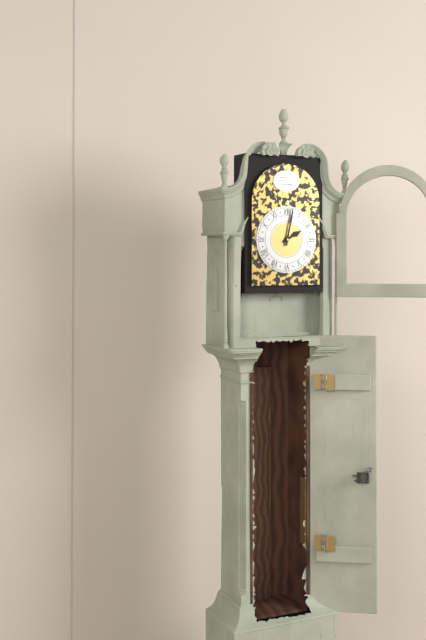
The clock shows 2:02
